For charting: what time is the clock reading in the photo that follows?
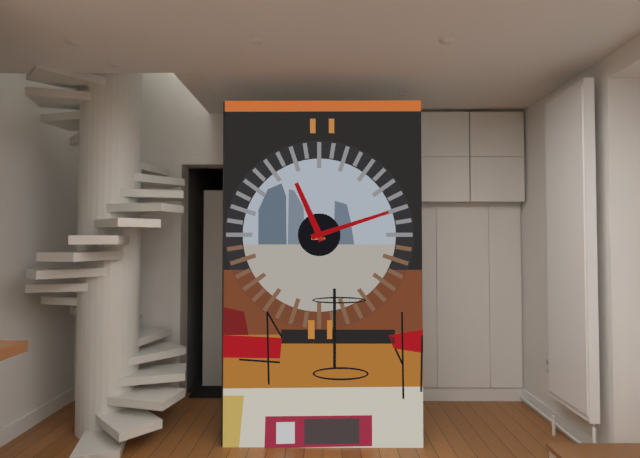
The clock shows 11:12
